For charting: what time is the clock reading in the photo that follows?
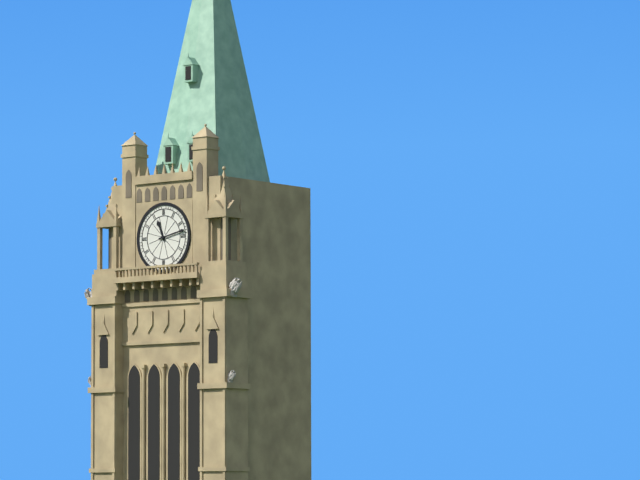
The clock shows 11:13
